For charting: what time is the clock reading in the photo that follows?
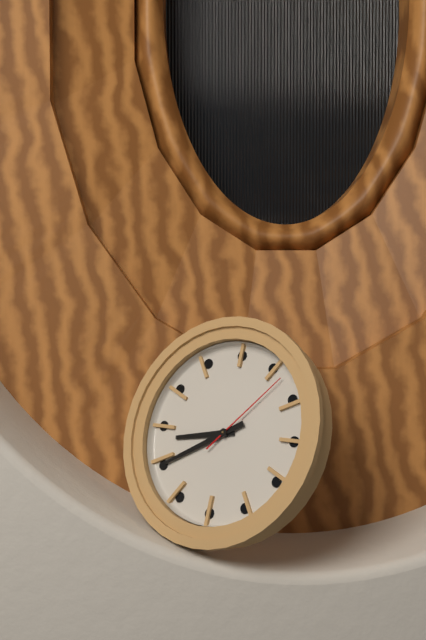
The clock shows 8:40:07
